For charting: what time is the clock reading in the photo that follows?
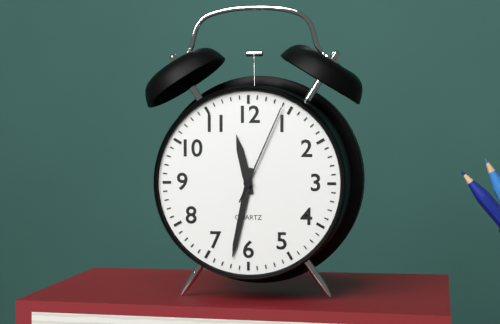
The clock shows 11:32:04
